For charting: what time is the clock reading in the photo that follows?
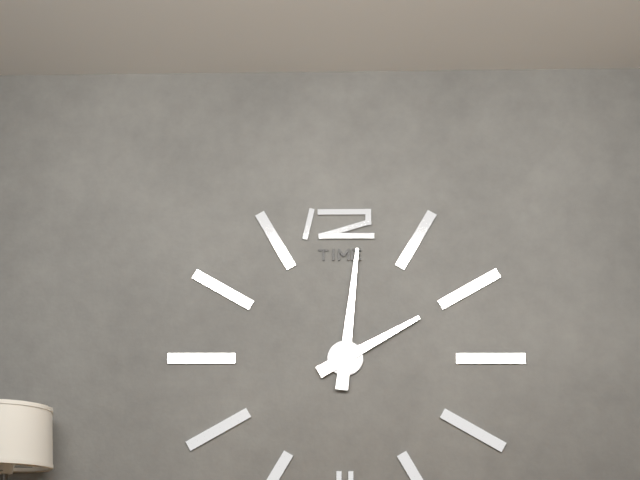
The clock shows 2:01
